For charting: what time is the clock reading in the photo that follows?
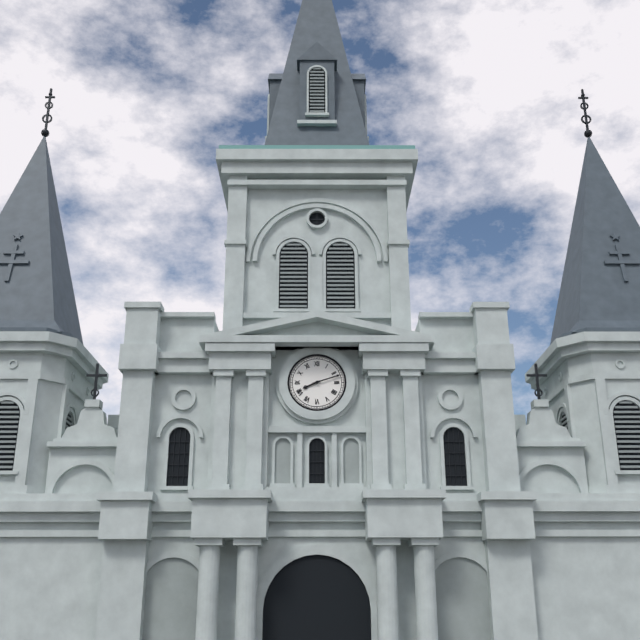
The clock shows 8:12
